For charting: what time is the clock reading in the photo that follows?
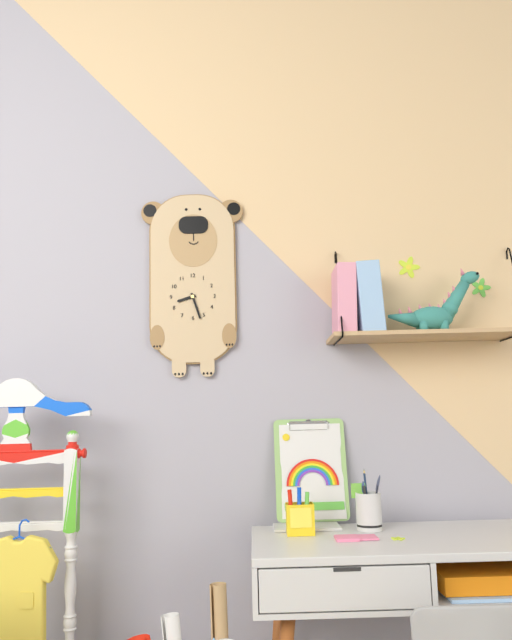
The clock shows 8:27
